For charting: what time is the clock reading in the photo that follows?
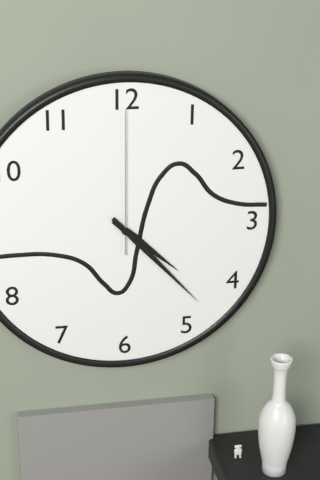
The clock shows 4:23:00
